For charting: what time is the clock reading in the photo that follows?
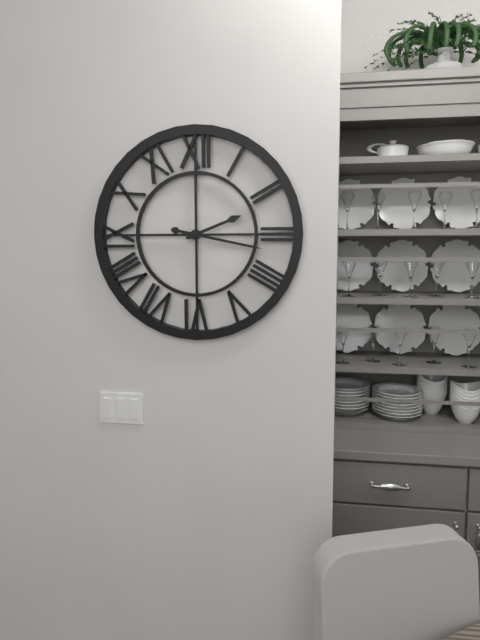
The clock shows 2:17
